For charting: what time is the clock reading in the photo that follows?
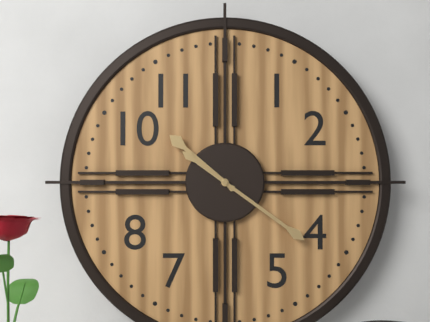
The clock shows 10:21
